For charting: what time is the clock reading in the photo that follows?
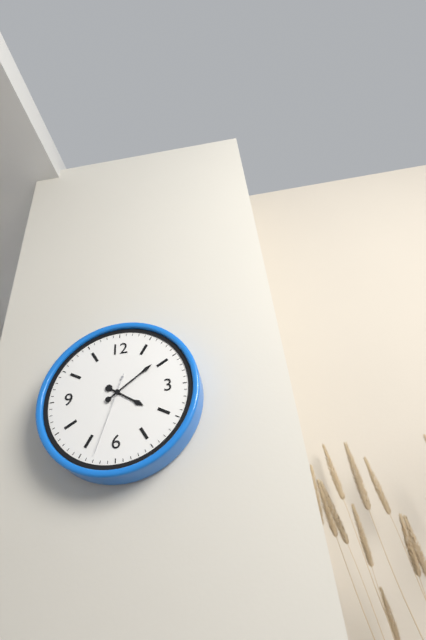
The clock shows 4:09:33
